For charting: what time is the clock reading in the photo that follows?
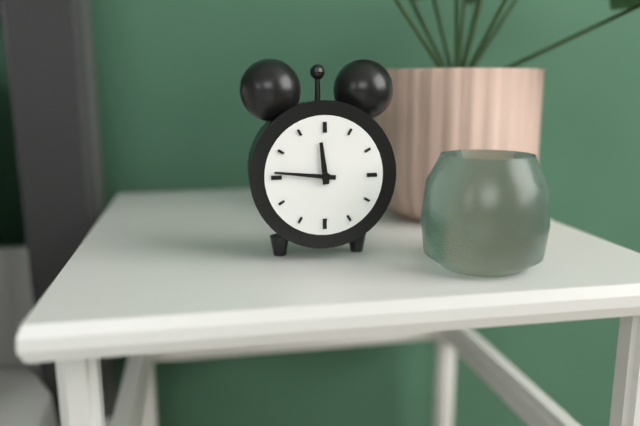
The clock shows 11:46
